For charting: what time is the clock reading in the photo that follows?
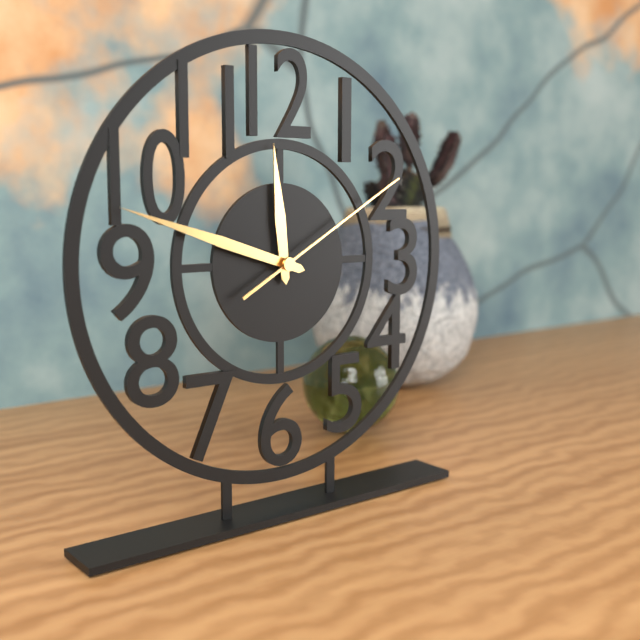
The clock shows 11:48:10
